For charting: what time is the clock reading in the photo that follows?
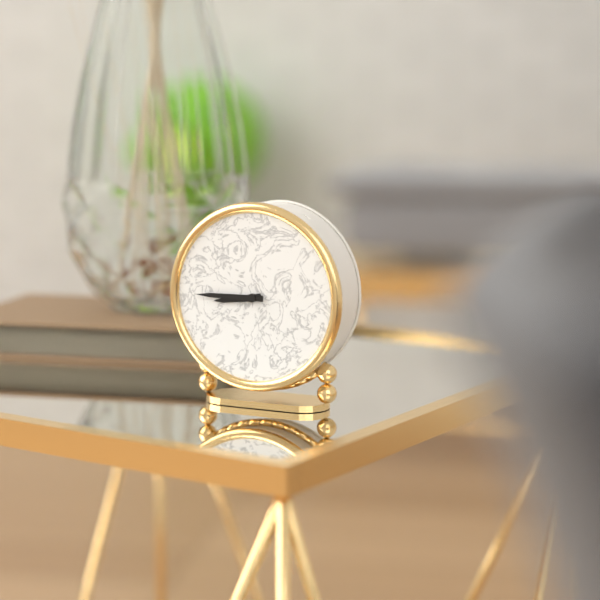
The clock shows 8:45
